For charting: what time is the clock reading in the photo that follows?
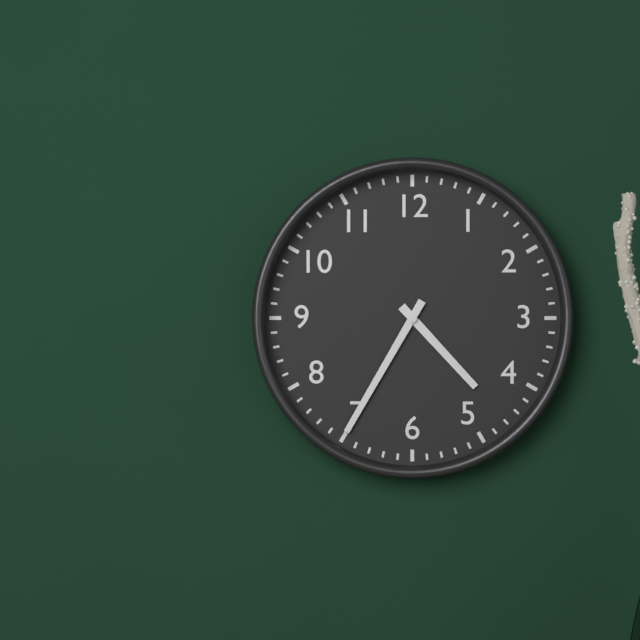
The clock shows 4:35
